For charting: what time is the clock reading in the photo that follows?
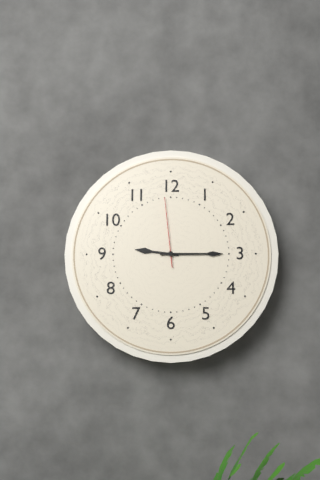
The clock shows 9:15:59
